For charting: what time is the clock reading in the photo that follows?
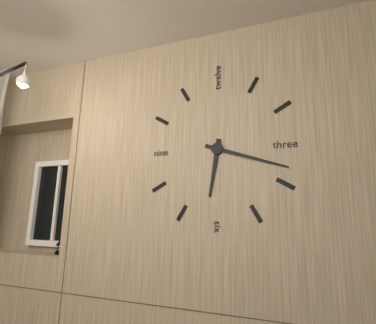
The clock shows 6:18
